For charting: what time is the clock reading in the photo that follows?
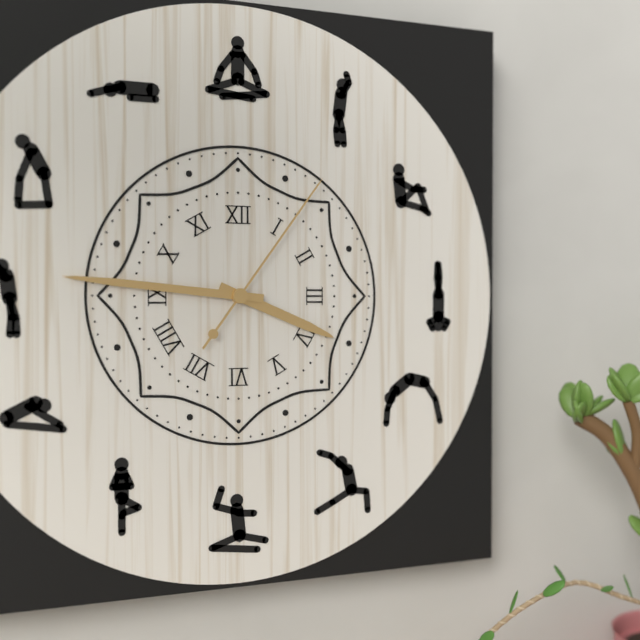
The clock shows 3:46:06
